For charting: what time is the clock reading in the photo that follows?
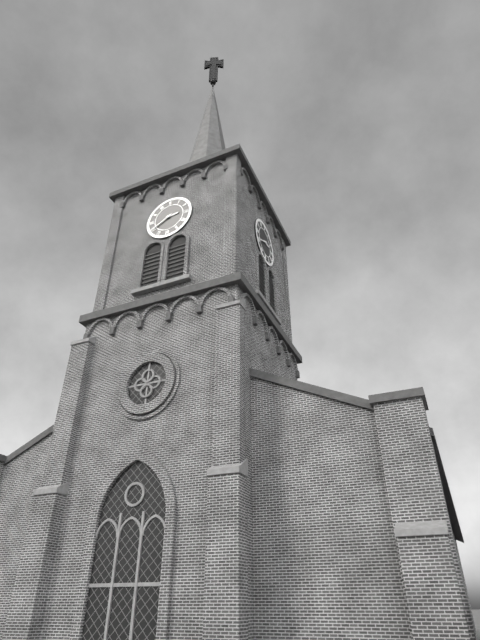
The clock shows 2:40
